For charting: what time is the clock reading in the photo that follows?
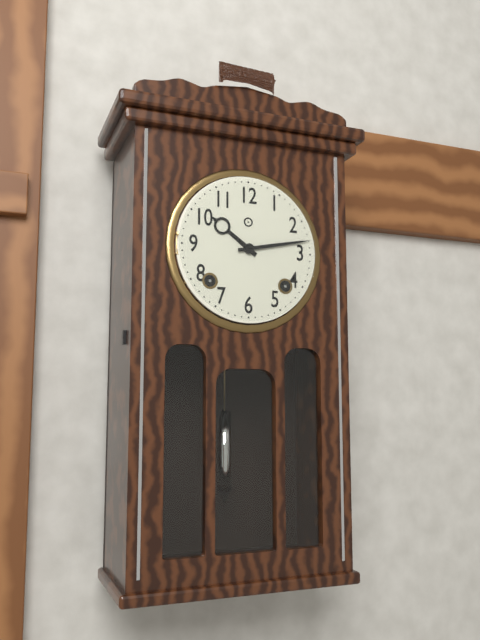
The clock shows 10:13
